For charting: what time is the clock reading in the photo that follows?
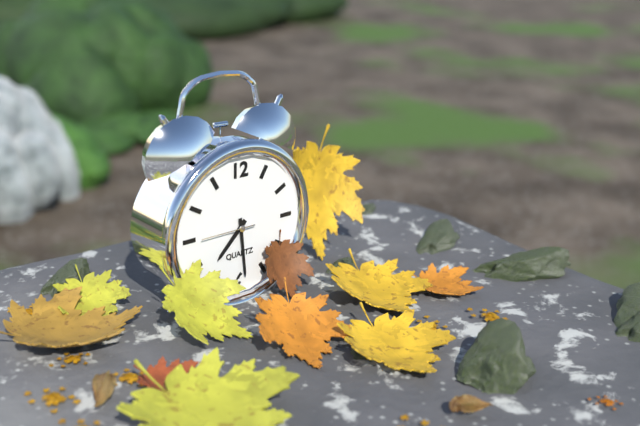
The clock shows 7:29
